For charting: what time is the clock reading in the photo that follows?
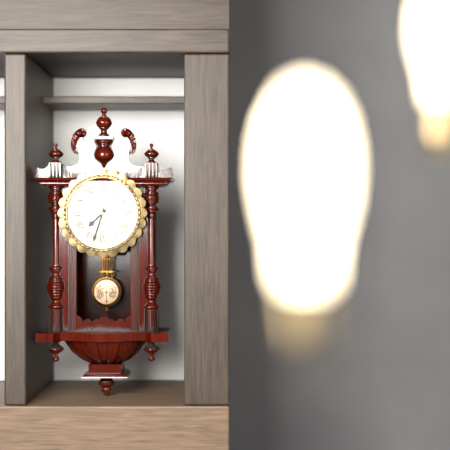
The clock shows 7:33
